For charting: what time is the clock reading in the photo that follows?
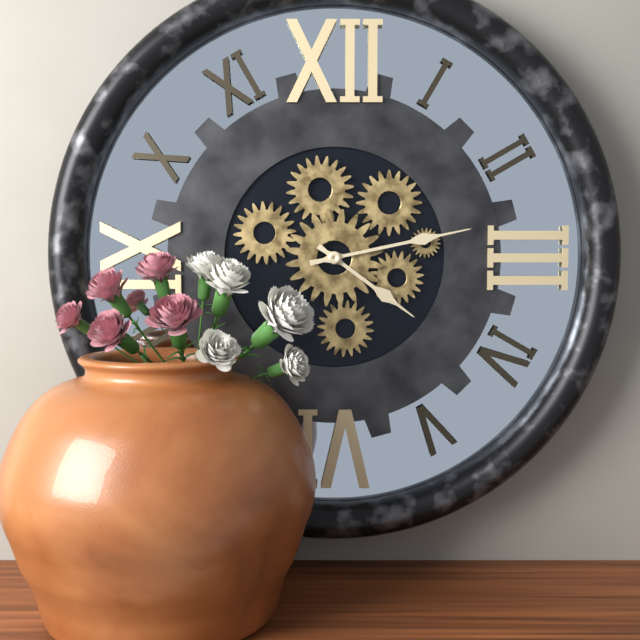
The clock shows 4:13
